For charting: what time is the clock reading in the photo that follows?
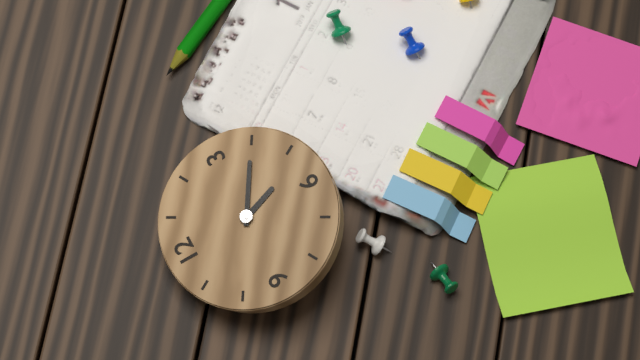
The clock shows 5:20
